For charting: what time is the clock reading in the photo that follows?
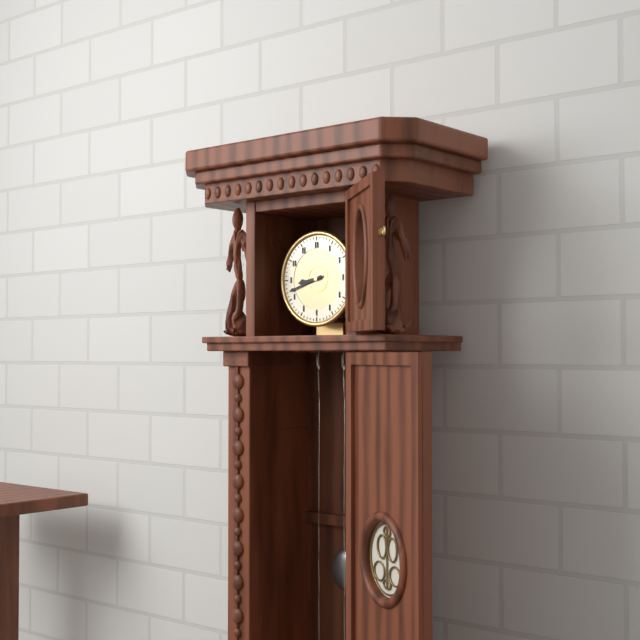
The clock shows 8:42
